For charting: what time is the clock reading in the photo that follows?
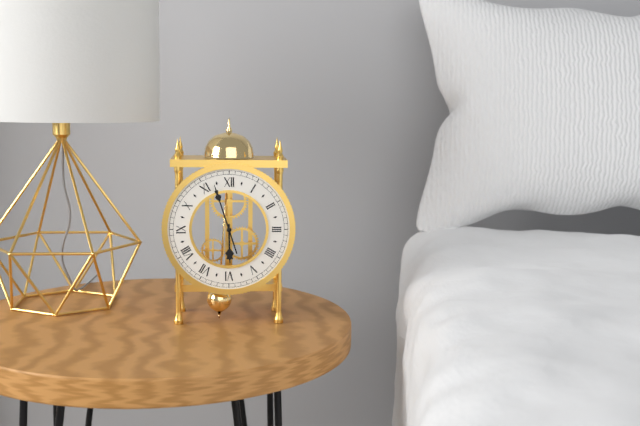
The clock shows 5:57
